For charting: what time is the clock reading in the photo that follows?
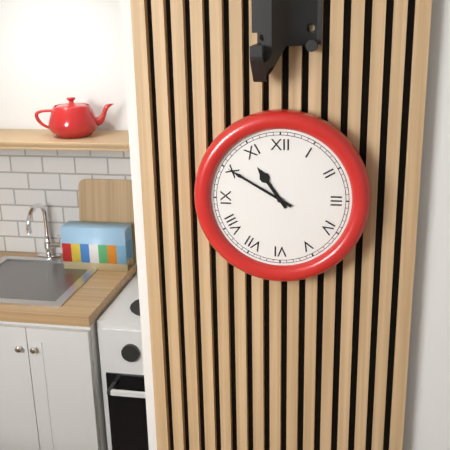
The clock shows 10:50
